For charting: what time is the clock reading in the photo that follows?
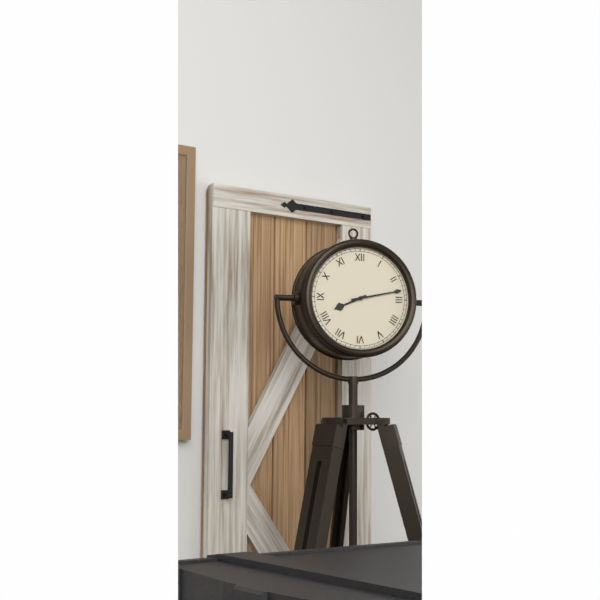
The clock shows 8:13
